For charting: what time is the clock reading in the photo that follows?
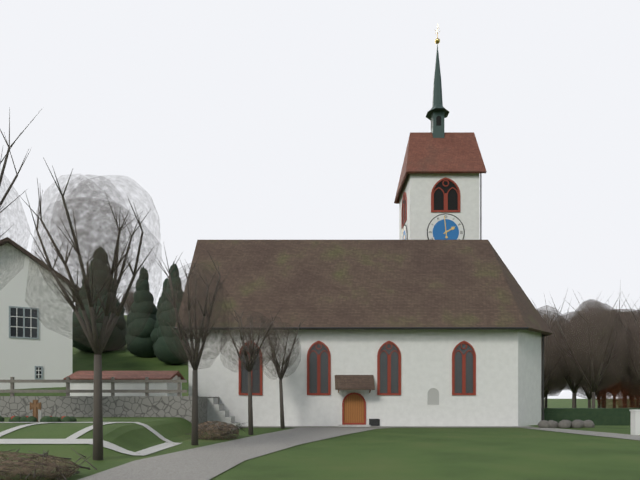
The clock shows 1:59
